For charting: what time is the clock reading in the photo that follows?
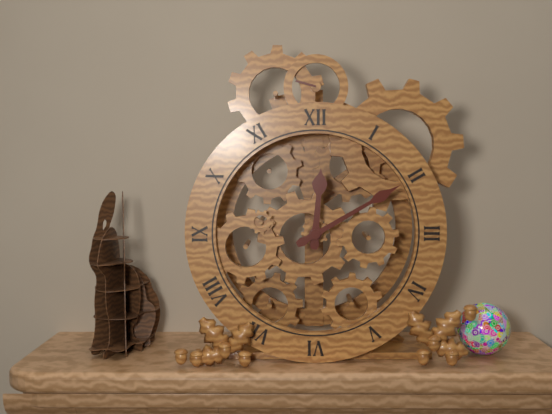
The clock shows 12:10
